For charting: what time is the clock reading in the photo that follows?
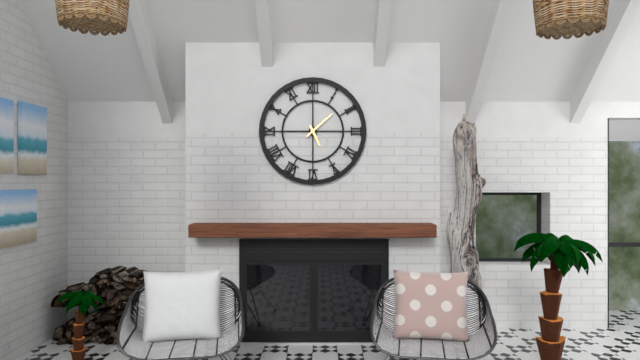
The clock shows 5:08
